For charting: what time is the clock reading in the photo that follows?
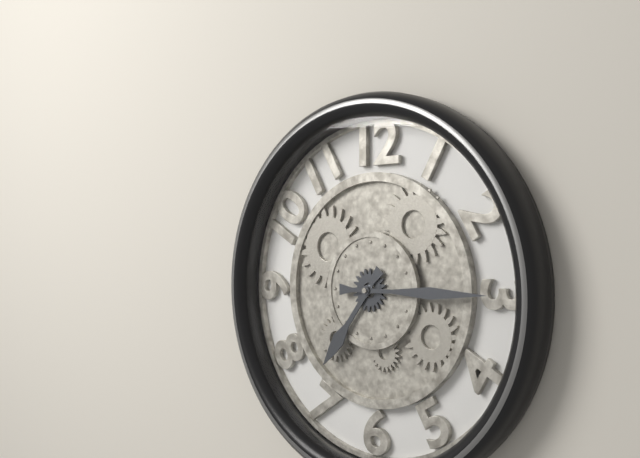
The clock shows 7:15
